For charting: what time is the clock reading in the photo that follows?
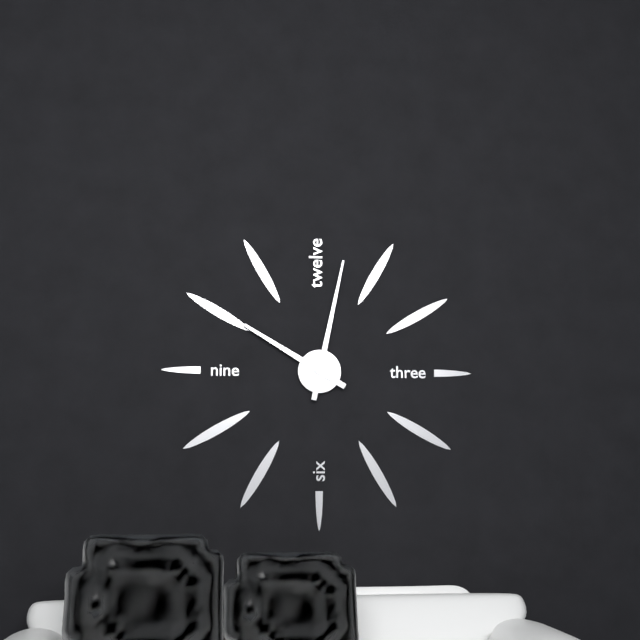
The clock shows 10:02
